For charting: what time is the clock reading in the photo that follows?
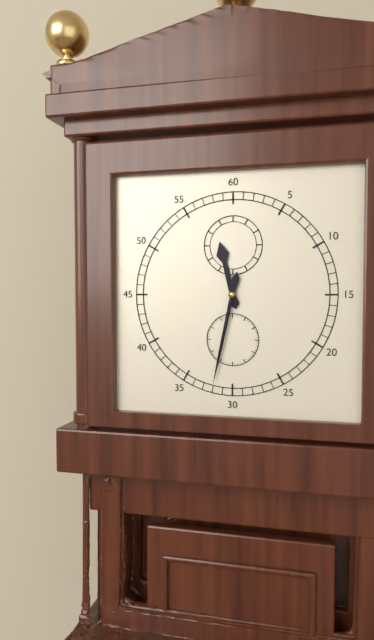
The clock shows 11:32
